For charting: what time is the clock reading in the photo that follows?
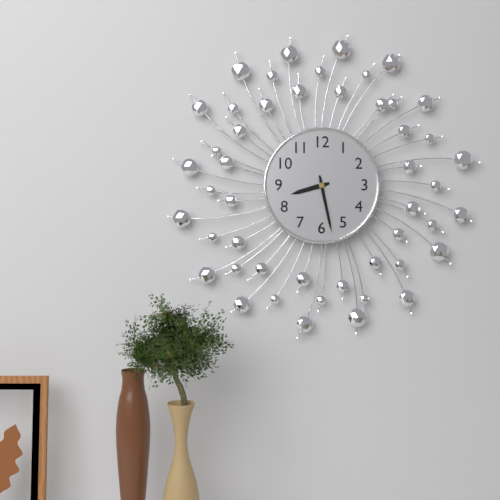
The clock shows 8:28
